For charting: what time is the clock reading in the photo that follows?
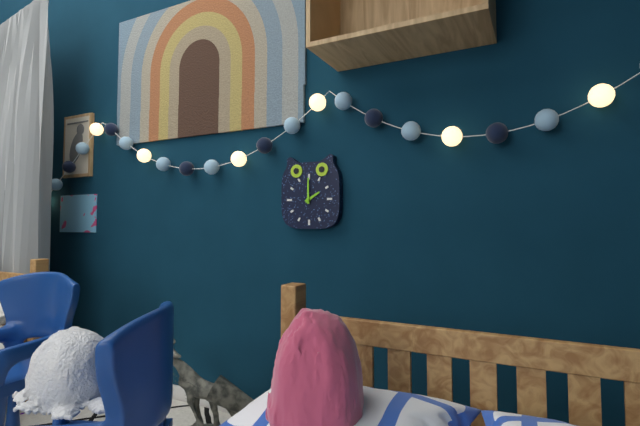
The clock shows 2:00
